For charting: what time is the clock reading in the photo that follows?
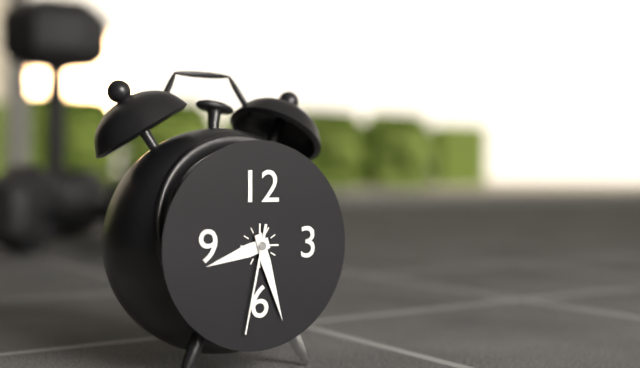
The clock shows 8:27:32
